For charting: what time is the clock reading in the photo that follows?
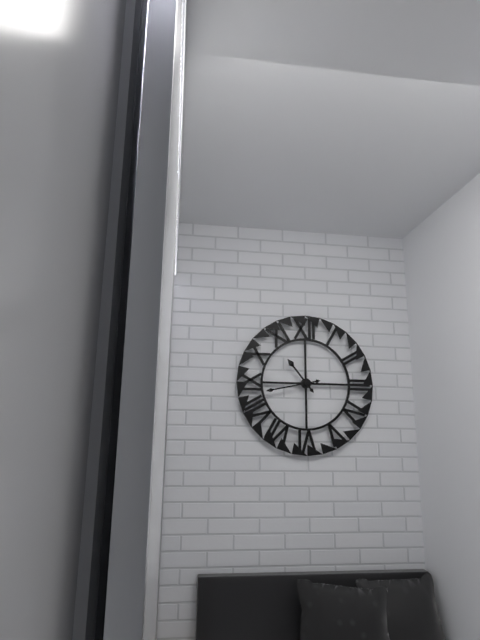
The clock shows 10:43
